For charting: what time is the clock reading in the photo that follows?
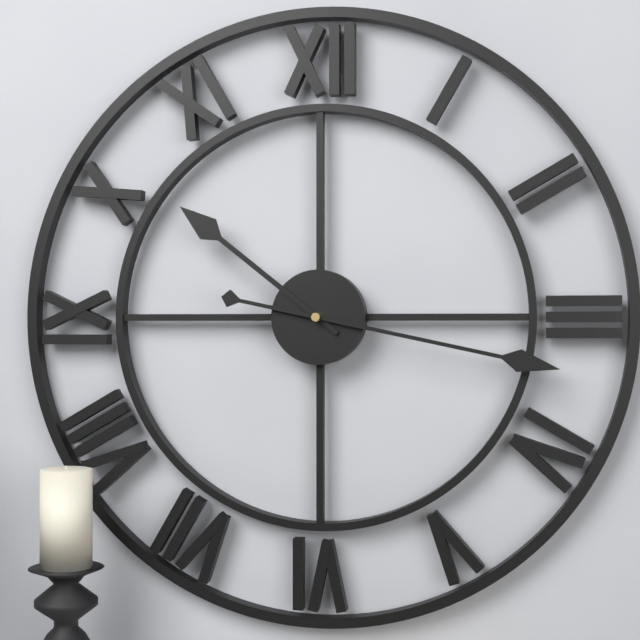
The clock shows 10:17
